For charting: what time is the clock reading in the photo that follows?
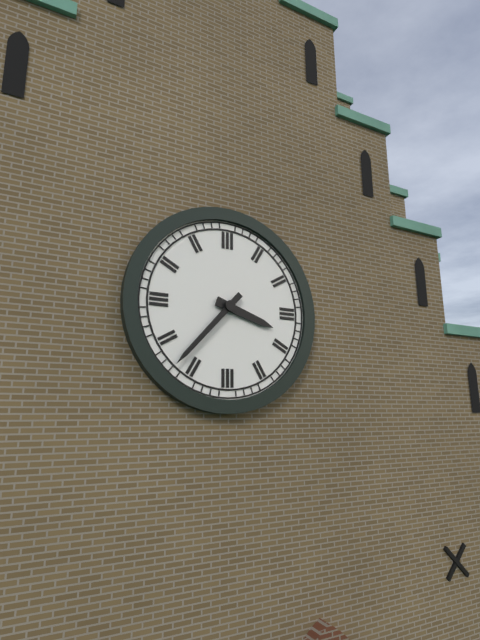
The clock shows 3:37
